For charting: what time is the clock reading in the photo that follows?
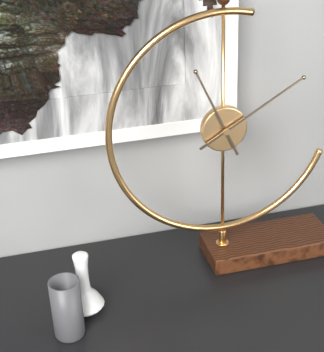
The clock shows 11:10
